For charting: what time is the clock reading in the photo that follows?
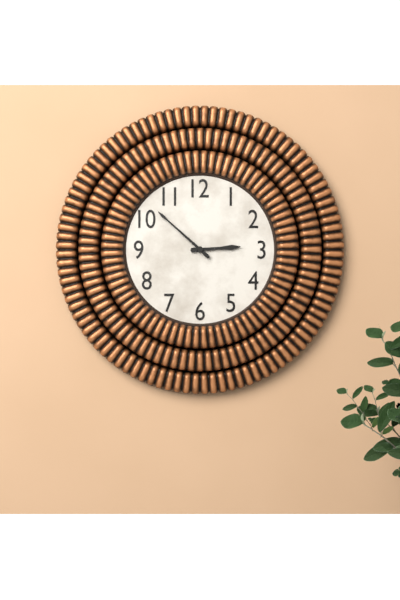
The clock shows 2:52
